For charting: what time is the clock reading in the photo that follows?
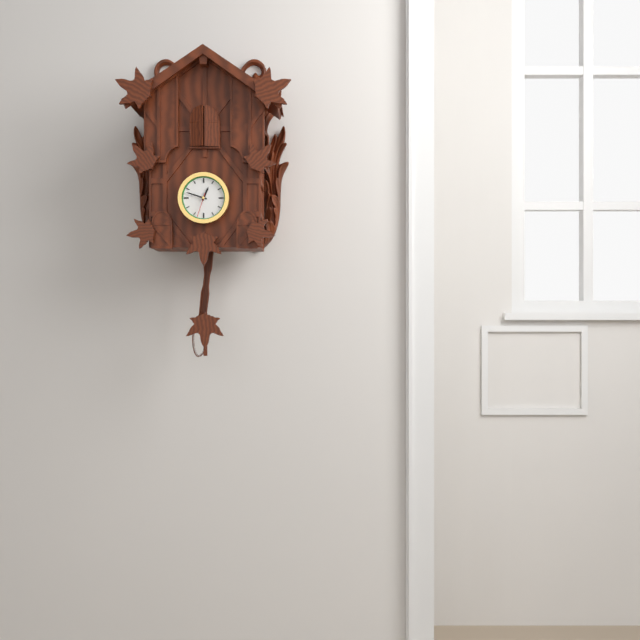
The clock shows 12:48
